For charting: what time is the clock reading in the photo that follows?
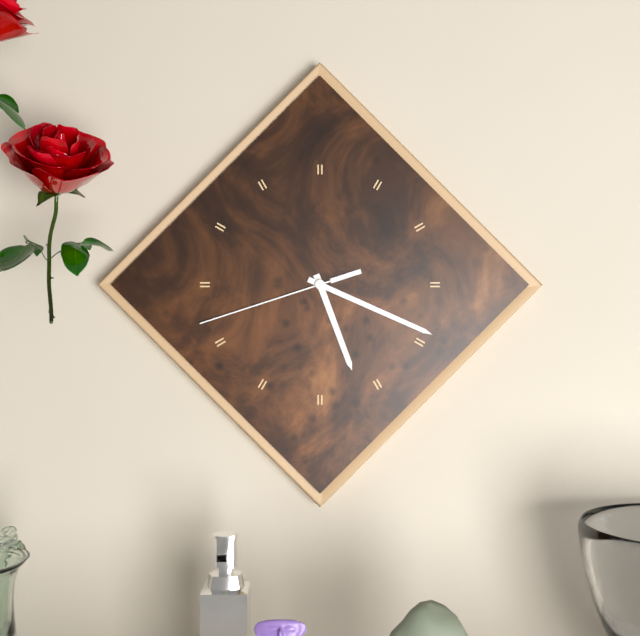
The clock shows 5:19:42
